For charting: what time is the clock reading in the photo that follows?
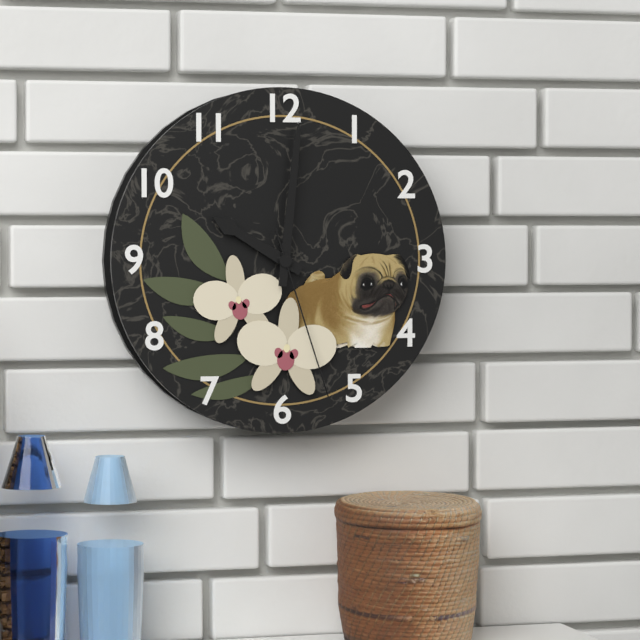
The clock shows 10:01:27
